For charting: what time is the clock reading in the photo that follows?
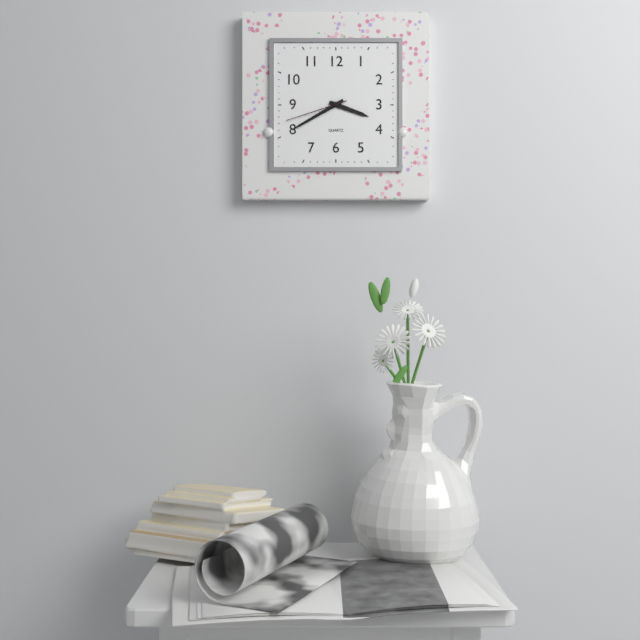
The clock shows 3:40:42
